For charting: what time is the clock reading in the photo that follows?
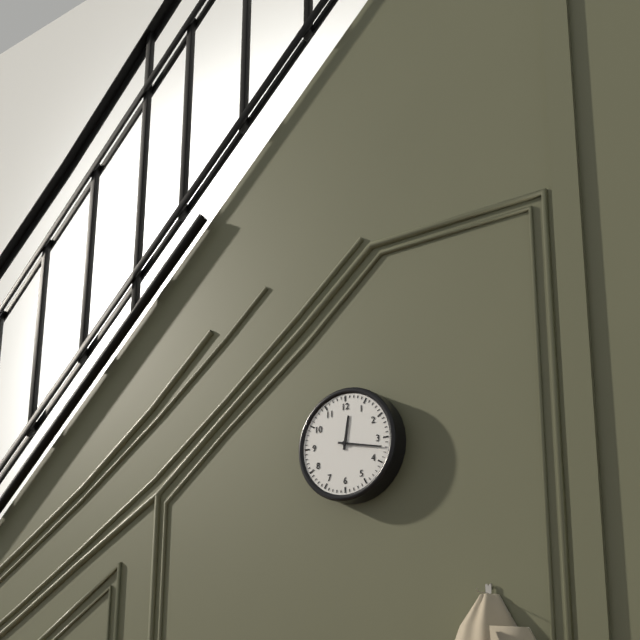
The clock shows 12:17
